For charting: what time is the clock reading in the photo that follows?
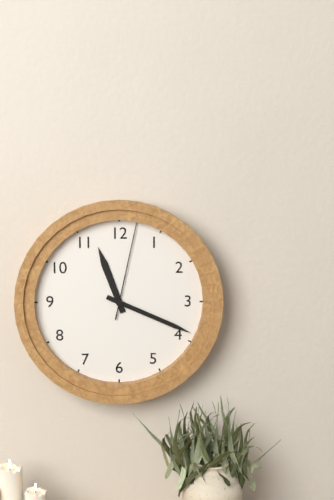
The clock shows 11:19:02
